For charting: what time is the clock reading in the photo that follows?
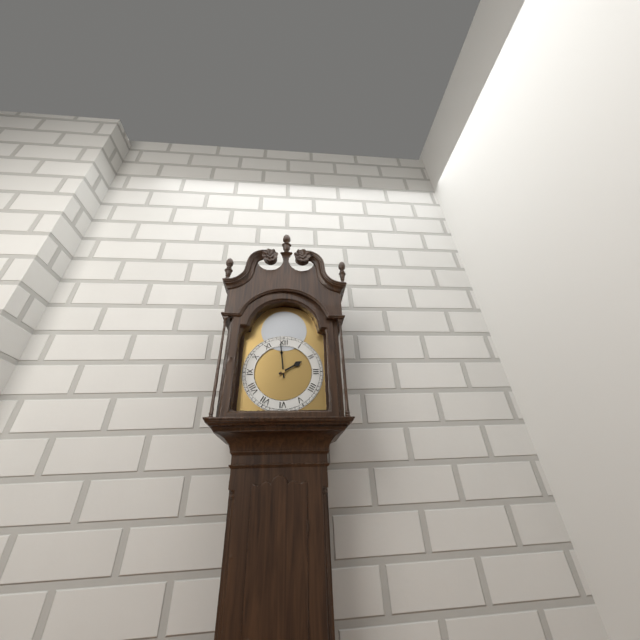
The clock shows 1:59
